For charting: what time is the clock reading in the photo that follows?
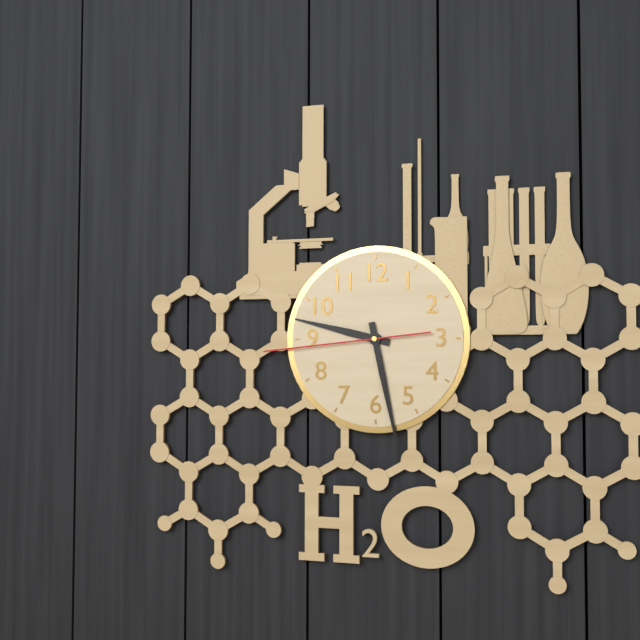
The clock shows 9:28:44
